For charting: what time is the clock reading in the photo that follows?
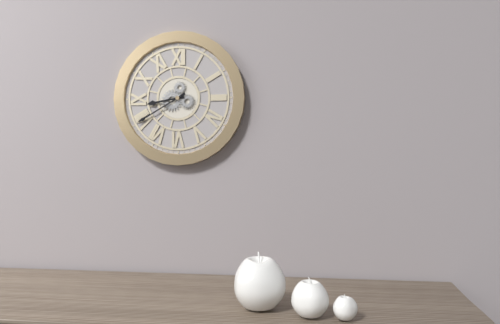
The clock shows 8:40
